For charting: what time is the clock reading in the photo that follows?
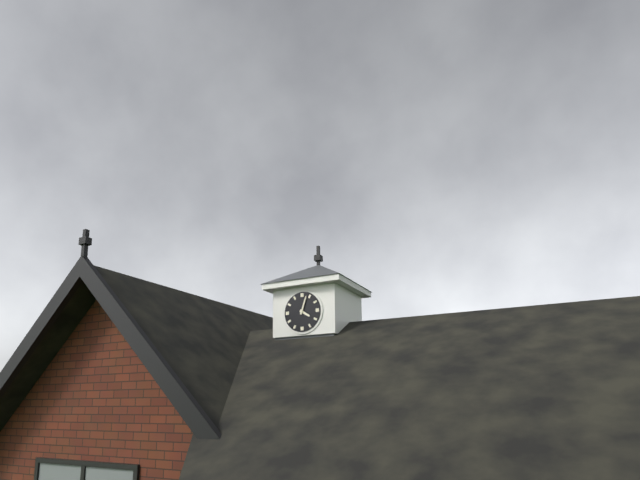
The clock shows 4:03
